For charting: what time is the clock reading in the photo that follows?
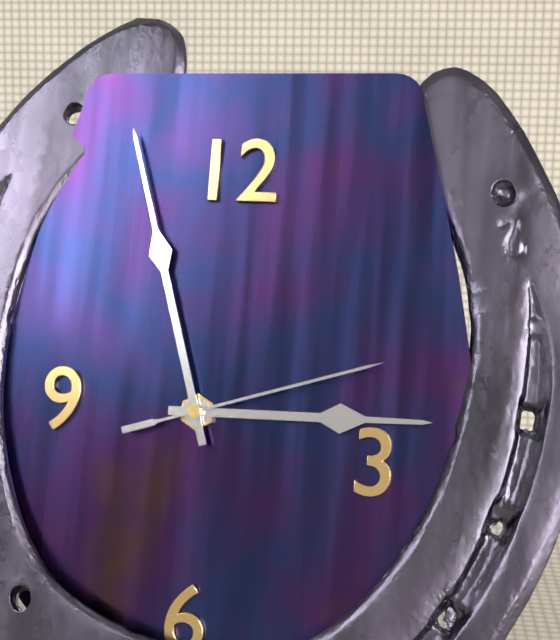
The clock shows 2:57:12
